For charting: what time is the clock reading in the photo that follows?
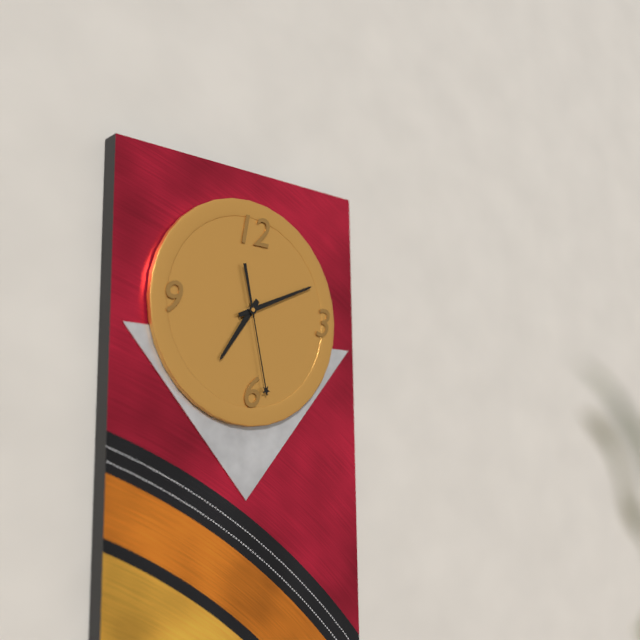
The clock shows 7:11:28
